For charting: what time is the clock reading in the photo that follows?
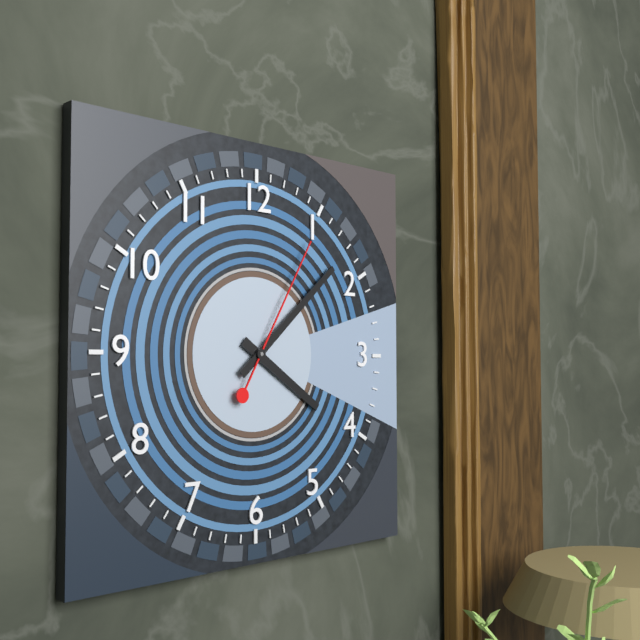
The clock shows 4:08:05
